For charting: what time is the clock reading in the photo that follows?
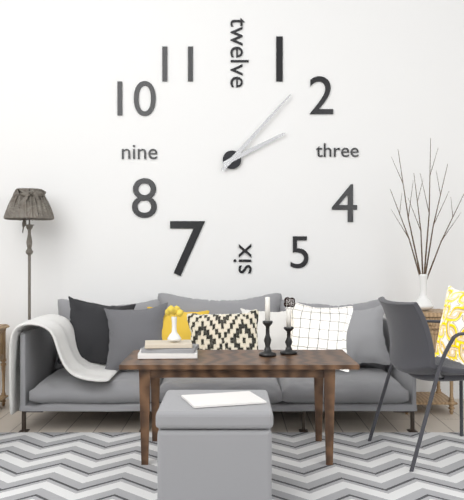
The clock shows 2:07
